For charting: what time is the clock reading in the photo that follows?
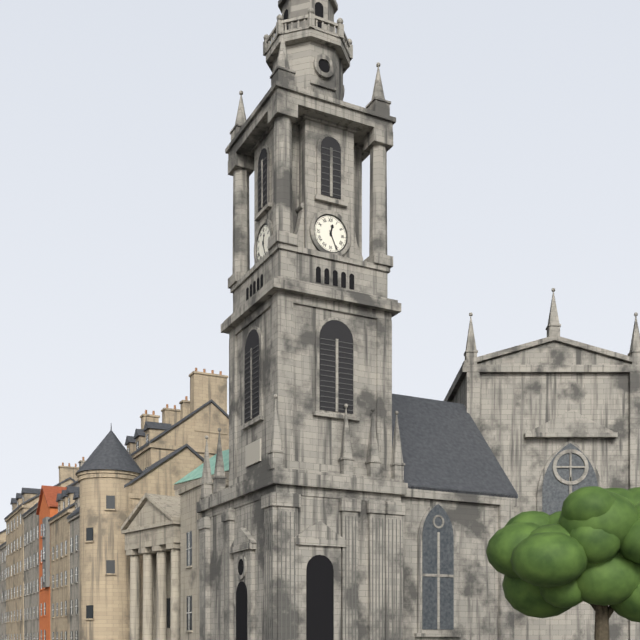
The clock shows 12:26
